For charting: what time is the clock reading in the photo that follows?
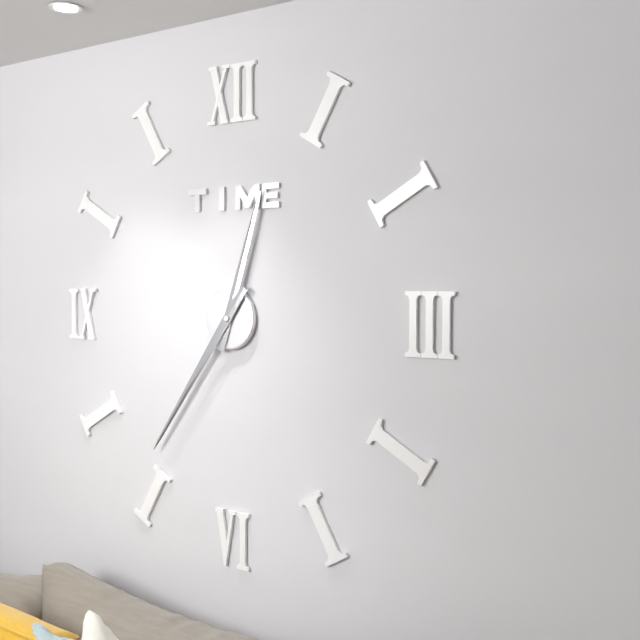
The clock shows 12:36
